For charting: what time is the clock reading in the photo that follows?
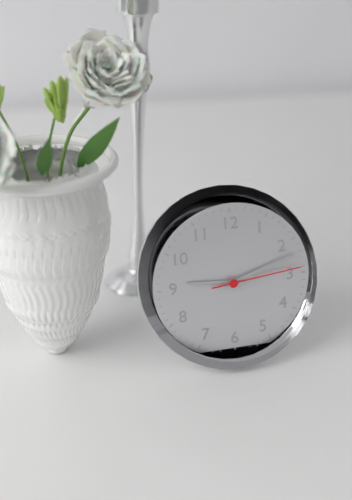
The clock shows 9:12:14
